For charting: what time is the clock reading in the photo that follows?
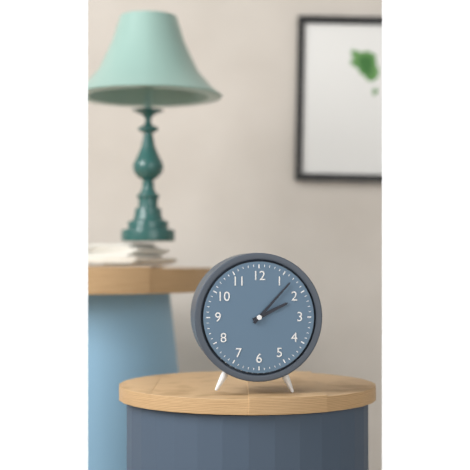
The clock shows 2:07
